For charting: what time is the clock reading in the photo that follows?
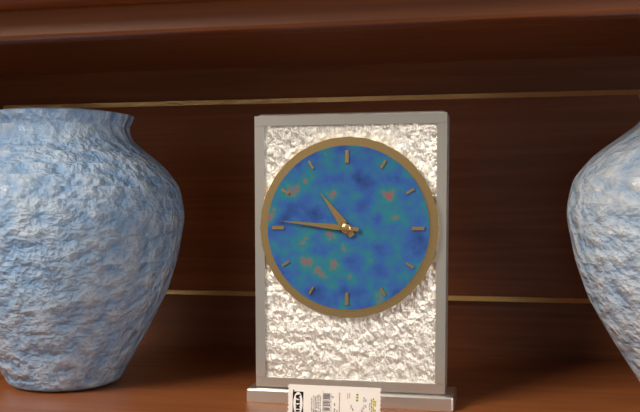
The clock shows 10:46
